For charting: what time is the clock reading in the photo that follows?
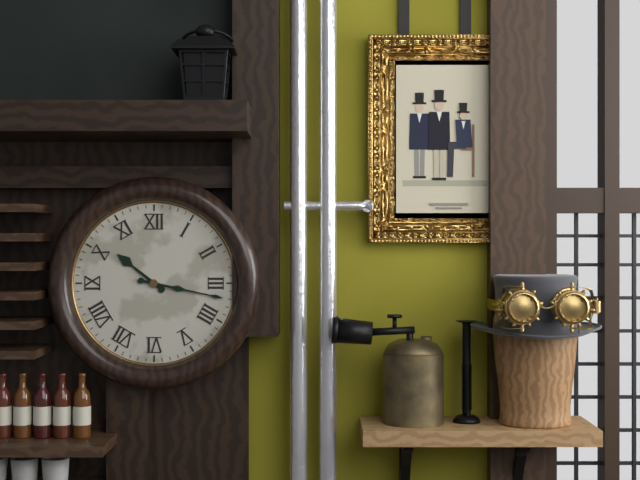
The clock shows 10:17
